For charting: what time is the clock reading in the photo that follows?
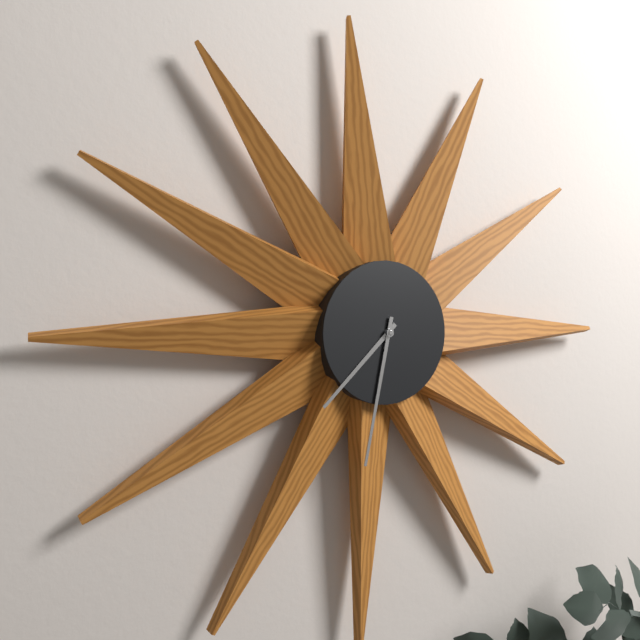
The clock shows 7:32
